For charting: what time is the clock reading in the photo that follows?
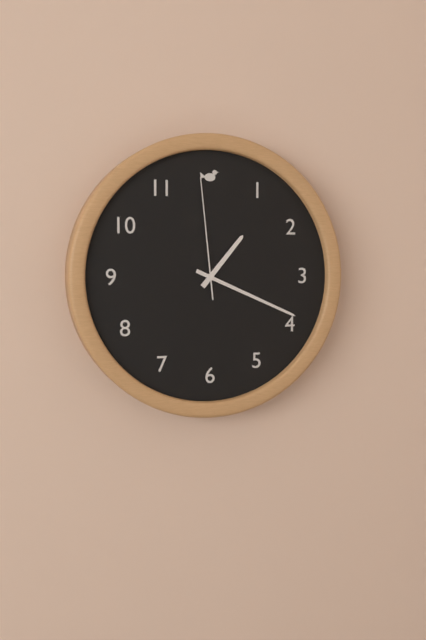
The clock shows 1:19:59
